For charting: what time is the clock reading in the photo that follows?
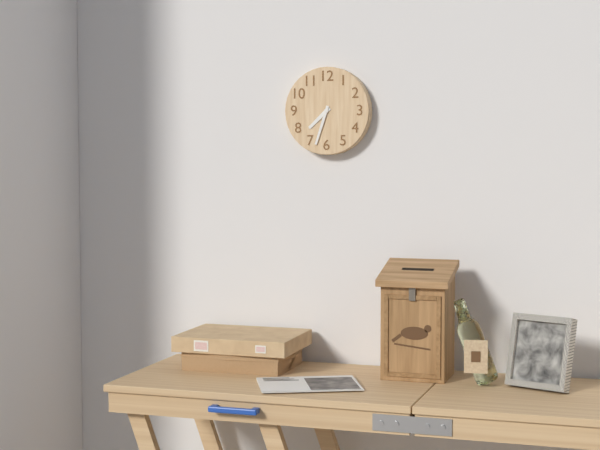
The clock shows 7:33
